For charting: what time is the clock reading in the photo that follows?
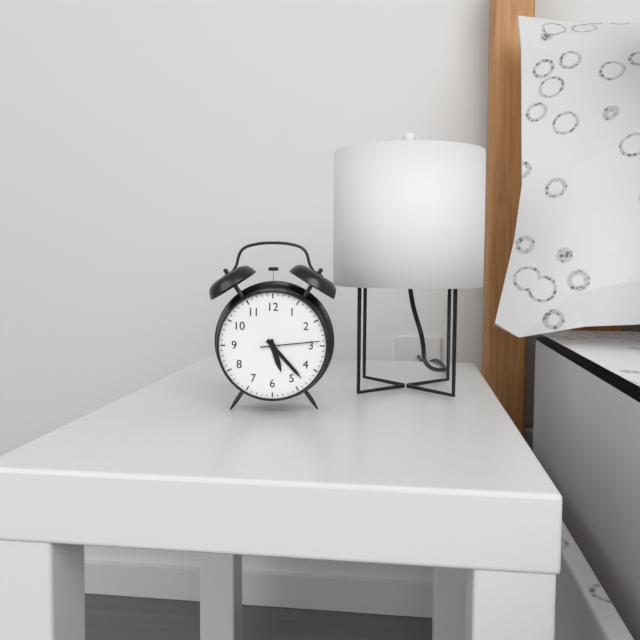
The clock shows 5:23:14
